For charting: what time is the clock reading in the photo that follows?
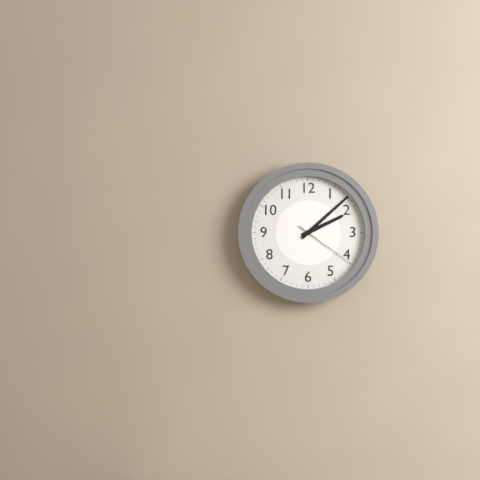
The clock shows 2:08:21
